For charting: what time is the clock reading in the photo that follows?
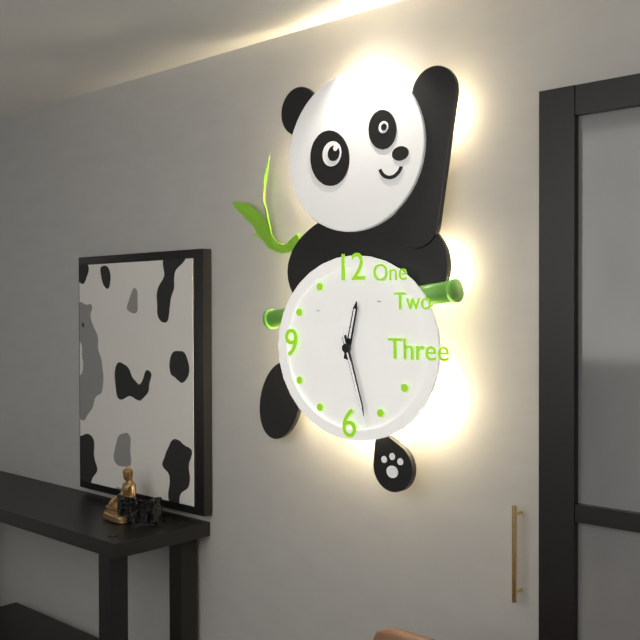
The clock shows 12:27:27
